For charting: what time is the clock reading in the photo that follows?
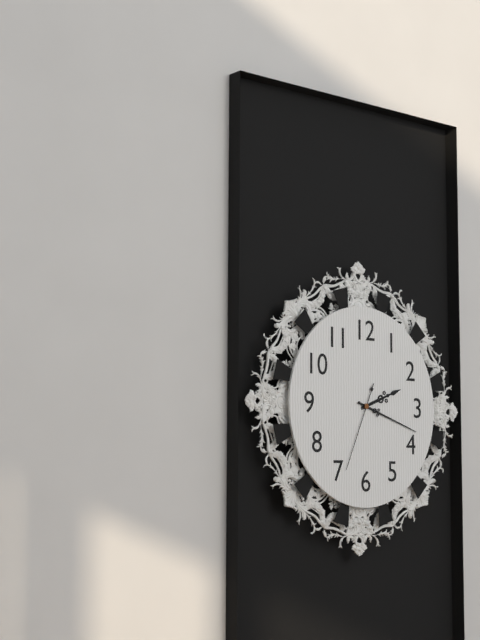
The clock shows 2:18:34
